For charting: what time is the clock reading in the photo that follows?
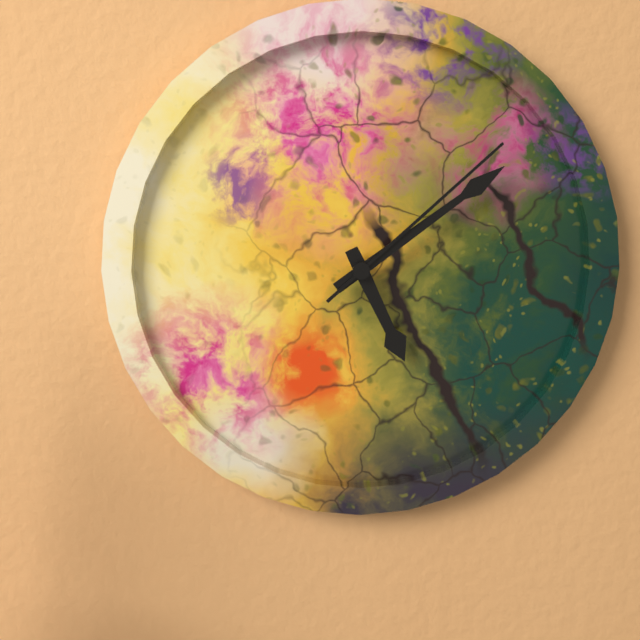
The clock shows 5:09:08
